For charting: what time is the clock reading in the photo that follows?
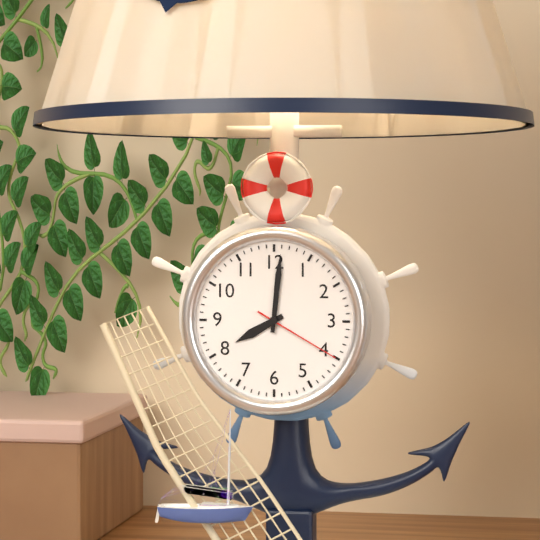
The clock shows 8:01:20
